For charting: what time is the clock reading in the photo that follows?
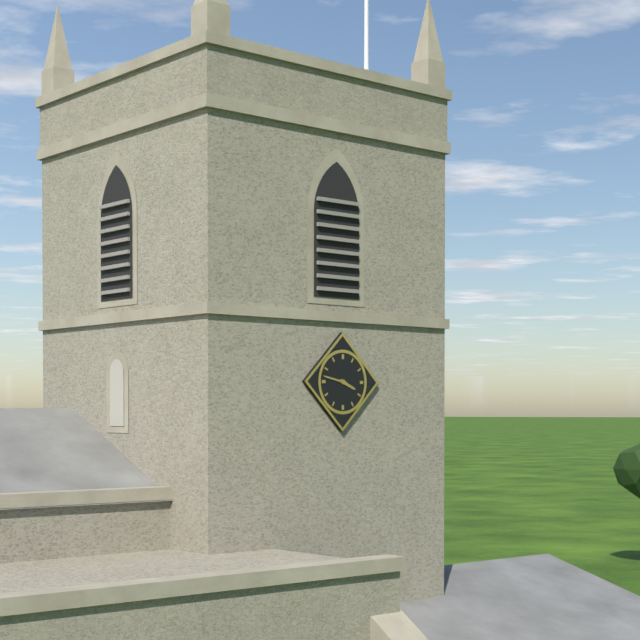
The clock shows 3:47
